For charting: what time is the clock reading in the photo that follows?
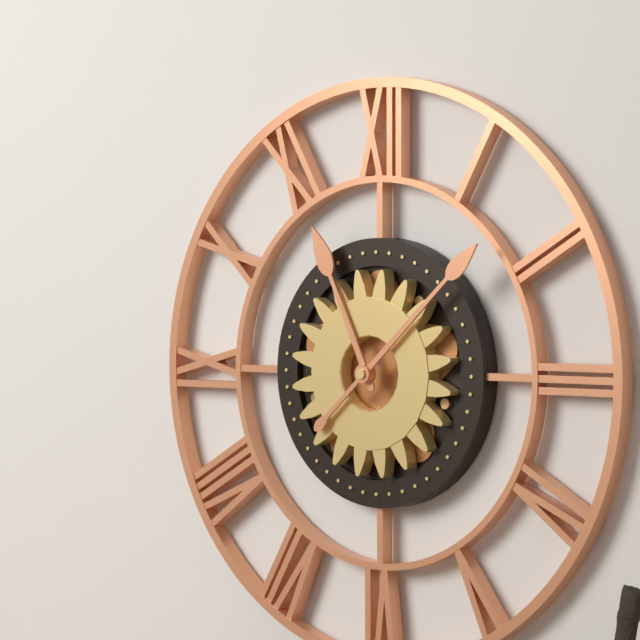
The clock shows 11:08
